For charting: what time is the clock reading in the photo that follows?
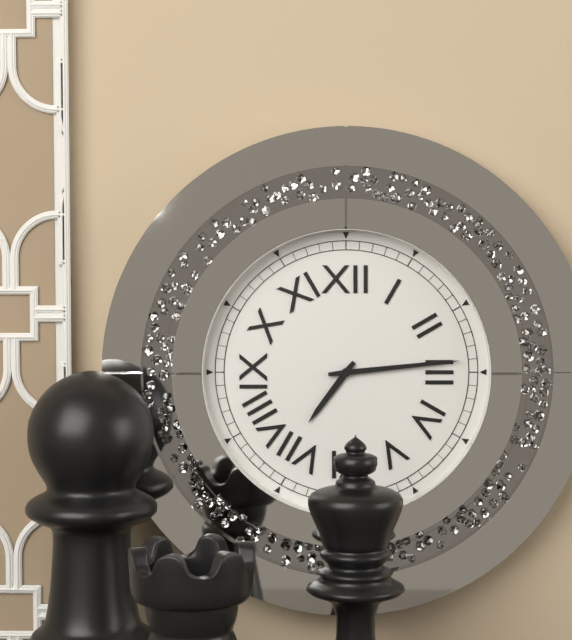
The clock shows 7:14
